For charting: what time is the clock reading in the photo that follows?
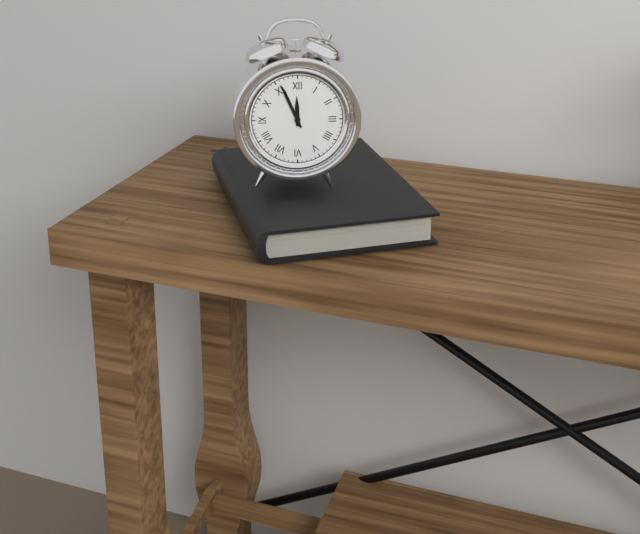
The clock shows 11:56
